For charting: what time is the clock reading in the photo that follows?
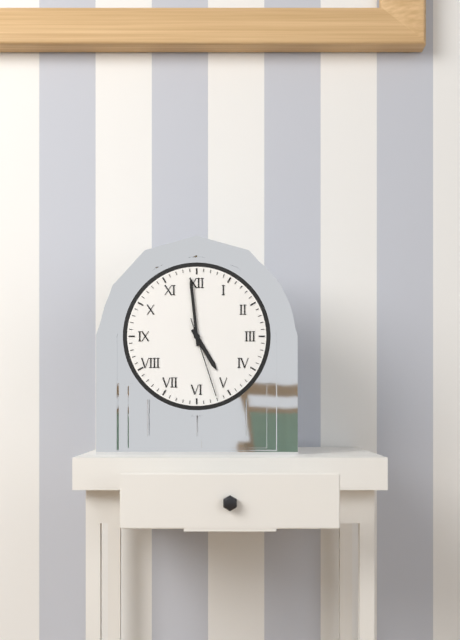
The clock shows 4:59:27
